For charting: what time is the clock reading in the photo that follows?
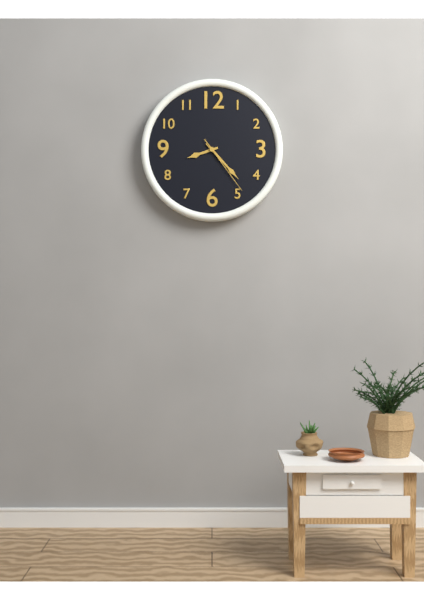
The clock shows 8:23:24
